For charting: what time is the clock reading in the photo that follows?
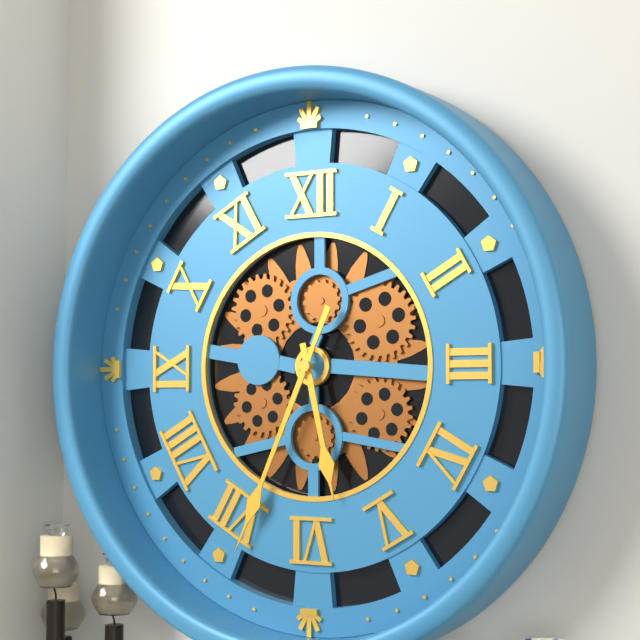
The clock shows 5:34
